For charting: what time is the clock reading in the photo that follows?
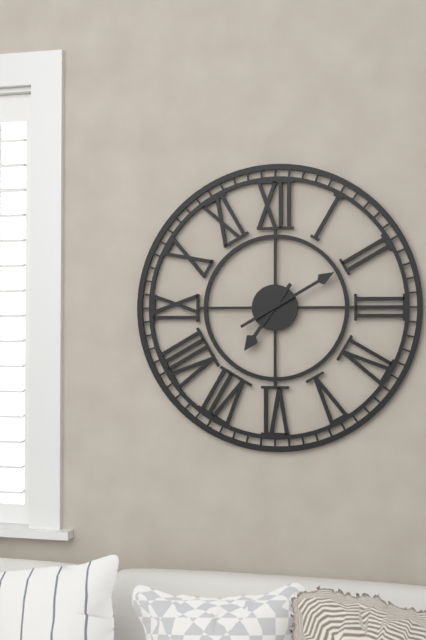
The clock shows 7:10
